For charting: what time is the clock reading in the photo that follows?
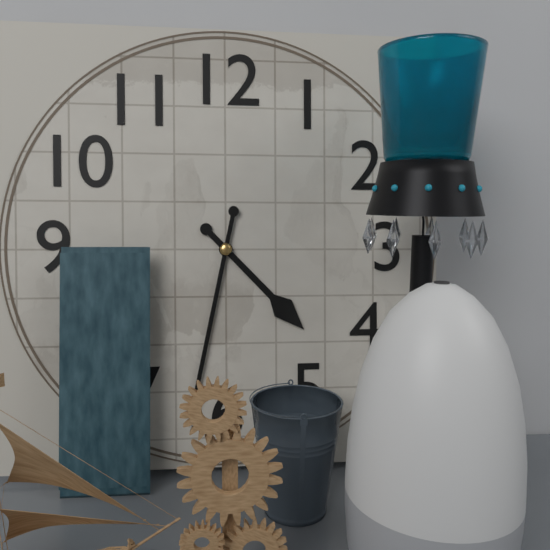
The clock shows 4:32
